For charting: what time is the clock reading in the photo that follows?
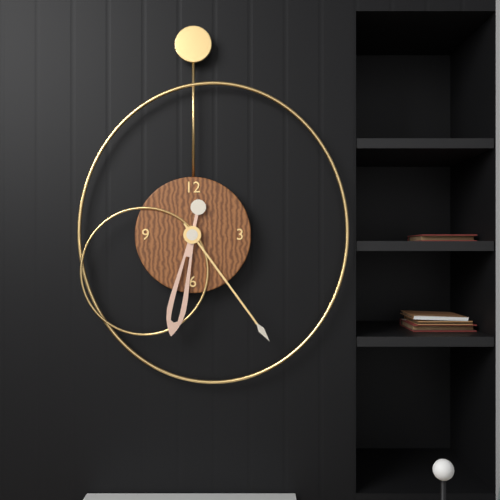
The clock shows 6:24
